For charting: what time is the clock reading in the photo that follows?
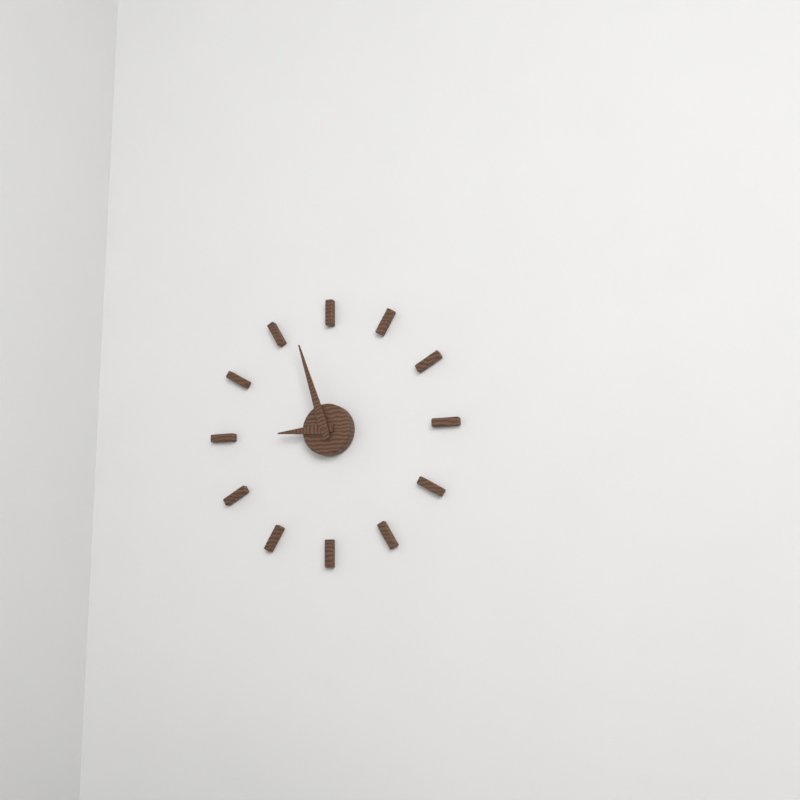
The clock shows 8:57
